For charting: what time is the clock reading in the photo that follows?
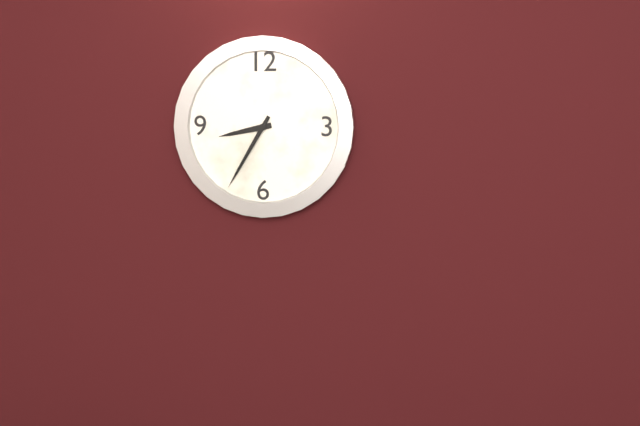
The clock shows 8:35
